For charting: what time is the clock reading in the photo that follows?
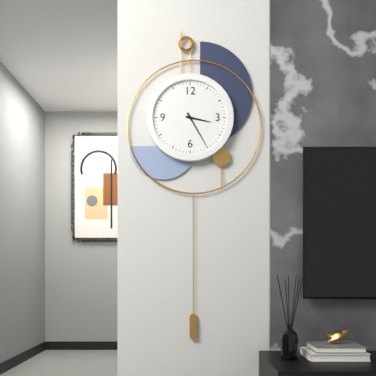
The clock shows 3:25
